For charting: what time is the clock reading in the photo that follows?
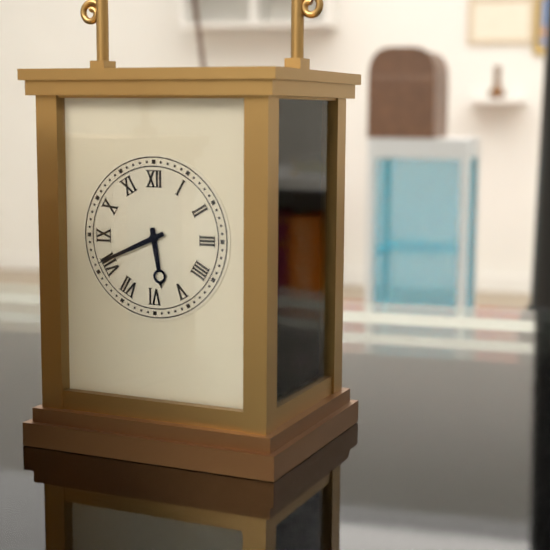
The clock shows 5:41
